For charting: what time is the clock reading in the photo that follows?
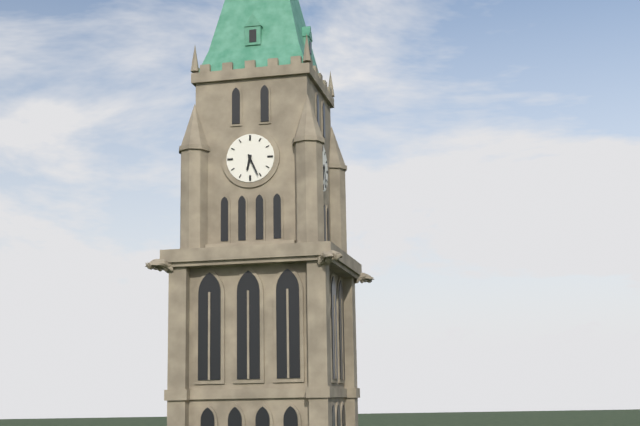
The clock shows 6:26
